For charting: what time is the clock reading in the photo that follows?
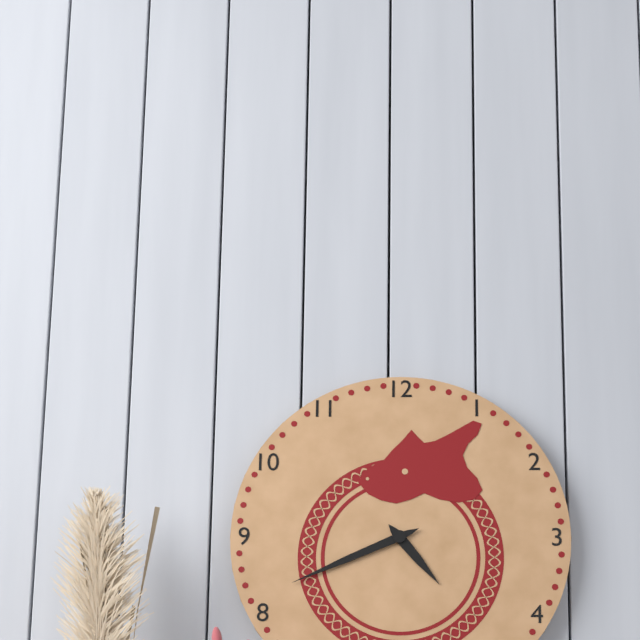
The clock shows 4:41
